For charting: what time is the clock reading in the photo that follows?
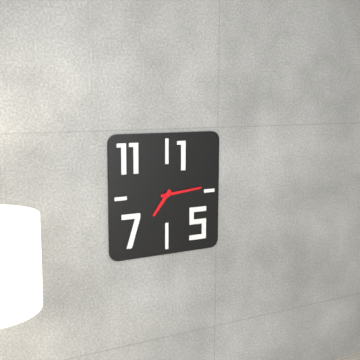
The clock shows 7:14
